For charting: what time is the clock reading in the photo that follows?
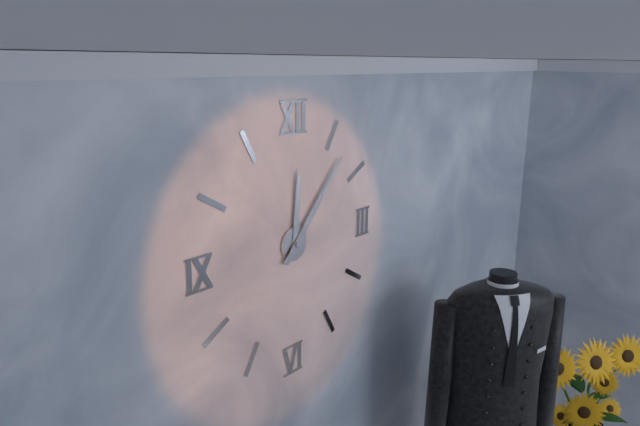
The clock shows 12:07
